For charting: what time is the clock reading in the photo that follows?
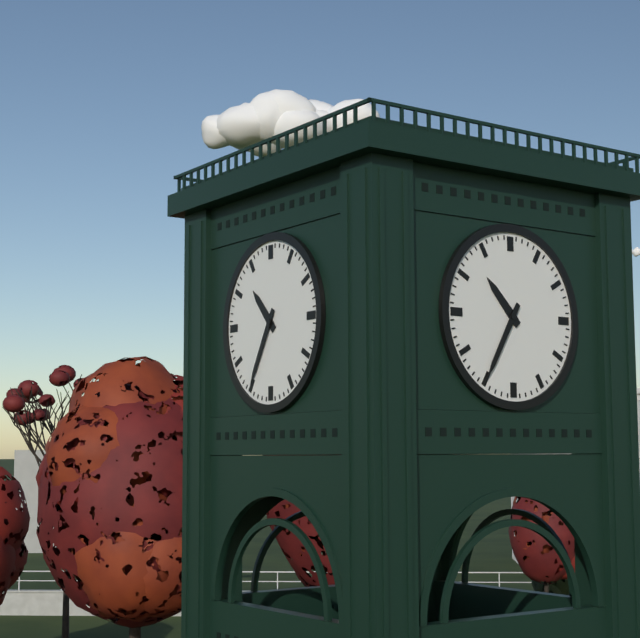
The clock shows 10:35
